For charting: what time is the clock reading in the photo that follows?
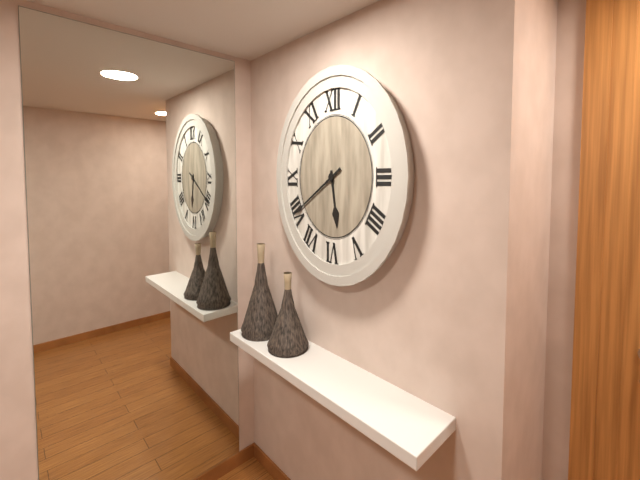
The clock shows 5:40
